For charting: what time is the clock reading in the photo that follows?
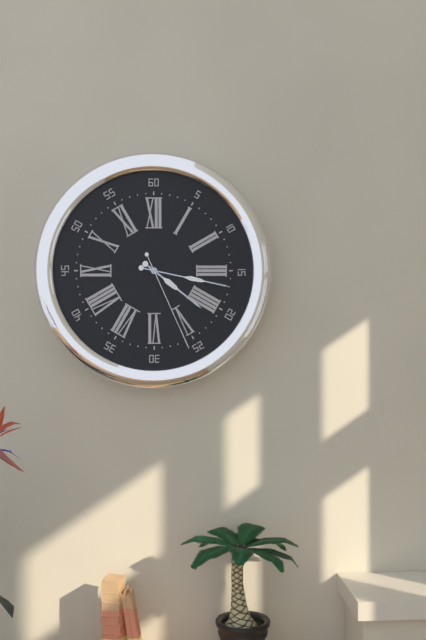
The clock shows 4:17:26
